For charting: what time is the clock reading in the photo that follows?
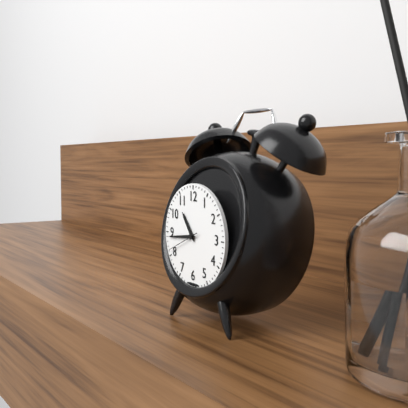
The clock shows 10:44
